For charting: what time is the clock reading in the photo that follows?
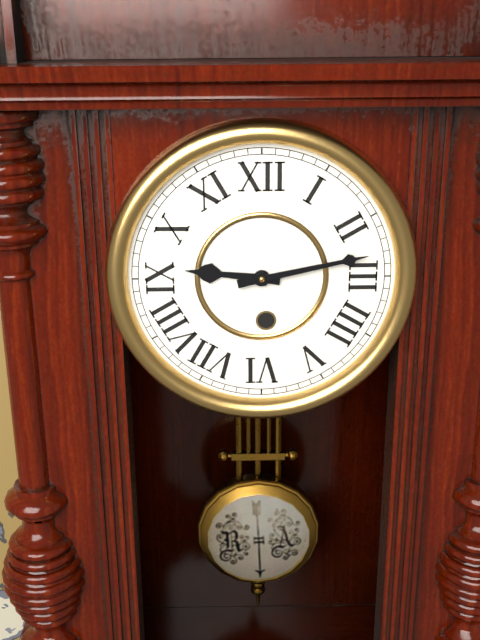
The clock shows 9:13
